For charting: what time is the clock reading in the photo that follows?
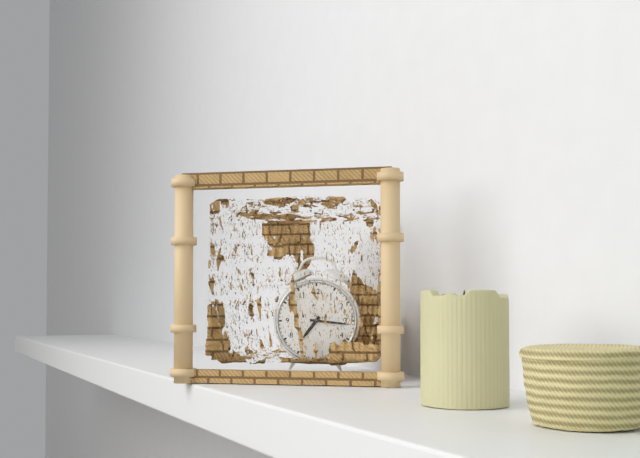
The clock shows 7:16
